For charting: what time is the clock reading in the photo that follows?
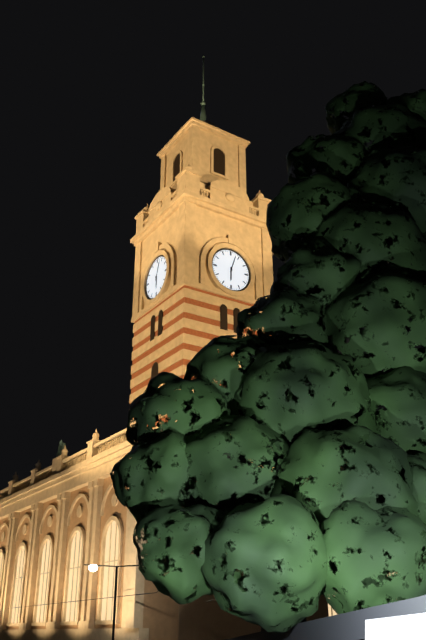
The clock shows 6:03
